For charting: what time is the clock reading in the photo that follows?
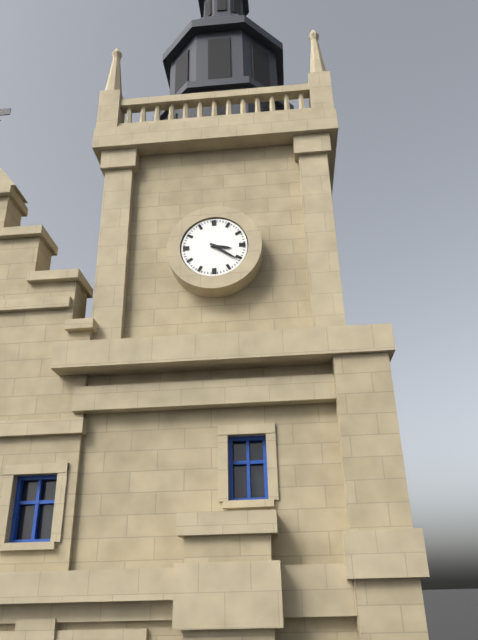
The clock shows 3:21
